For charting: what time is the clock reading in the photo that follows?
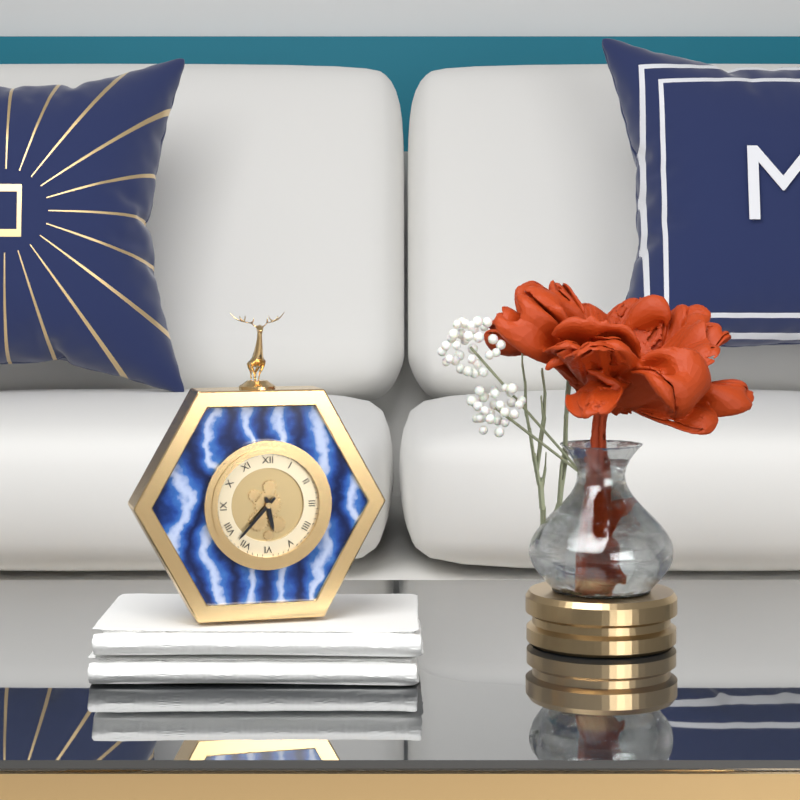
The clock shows 5:37
